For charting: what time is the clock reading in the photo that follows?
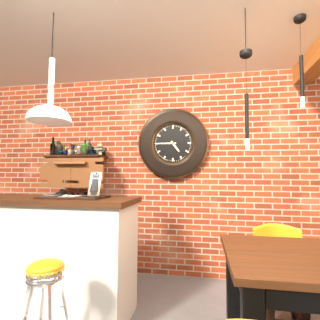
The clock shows 4:45
